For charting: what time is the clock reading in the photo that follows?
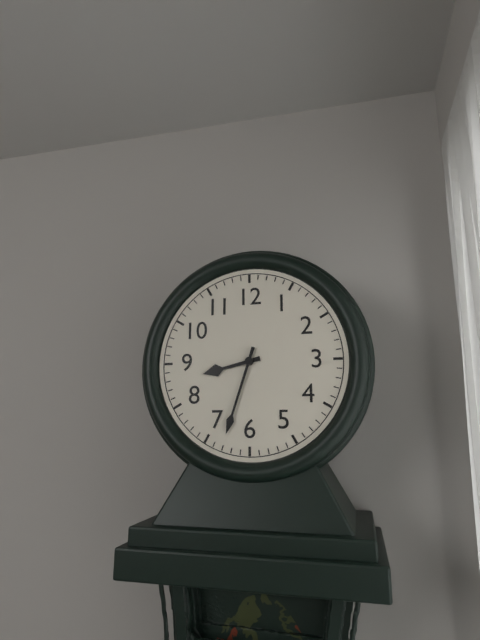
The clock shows 8:33
